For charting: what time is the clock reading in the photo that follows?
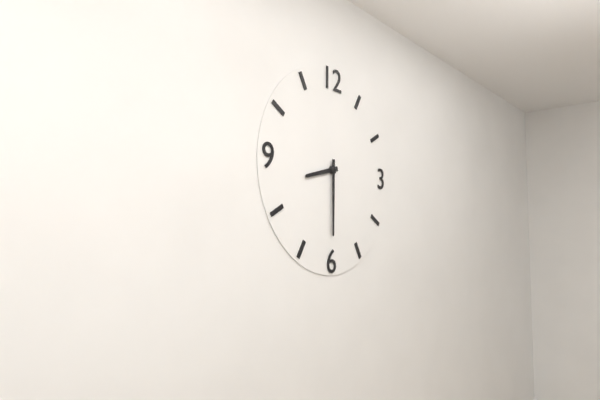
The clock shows 8:30
